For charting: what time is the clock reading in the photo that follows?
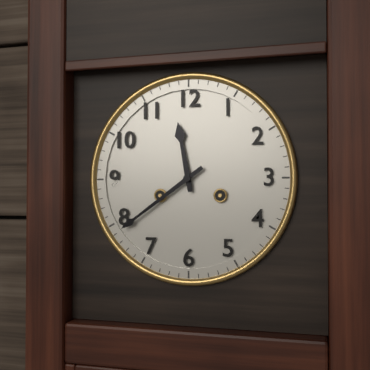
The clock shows 11:39
